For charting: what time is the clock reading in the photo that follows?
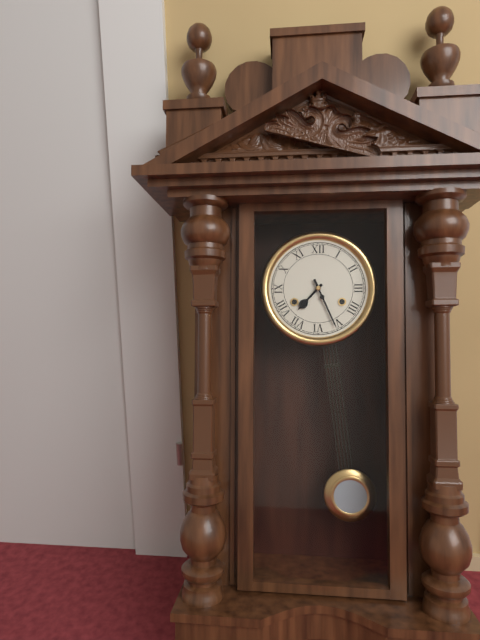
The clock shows 7:26
